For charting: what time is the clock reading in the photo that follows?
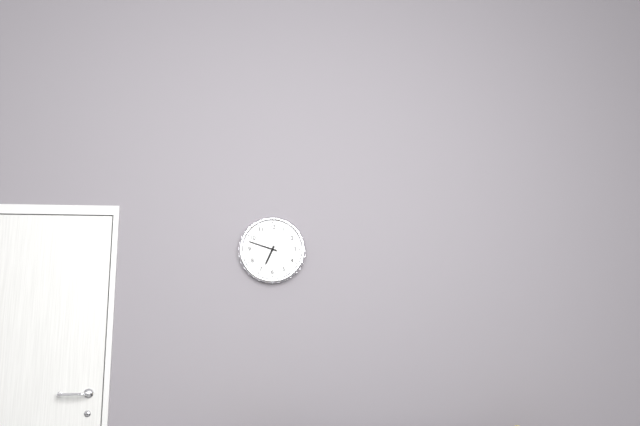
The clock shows 6:48
